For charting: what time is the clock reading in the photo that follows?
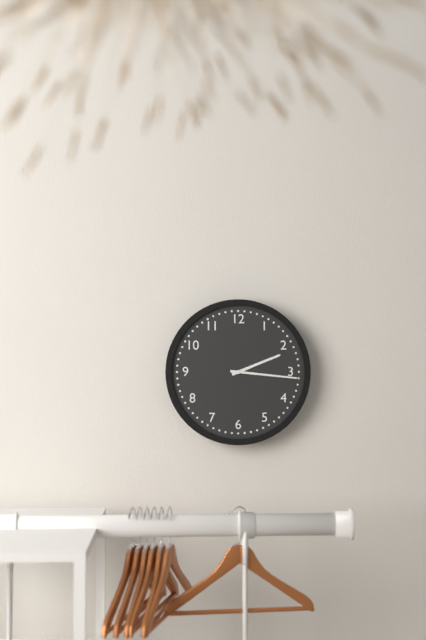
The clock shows 2:16
